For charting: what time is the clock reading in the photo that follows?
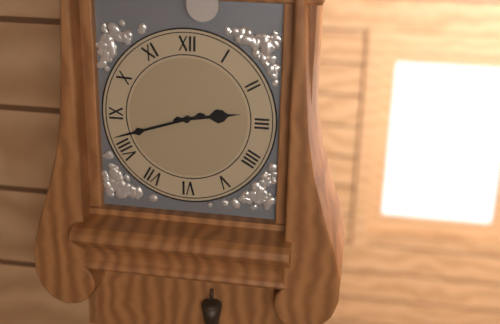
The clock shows 2:42
